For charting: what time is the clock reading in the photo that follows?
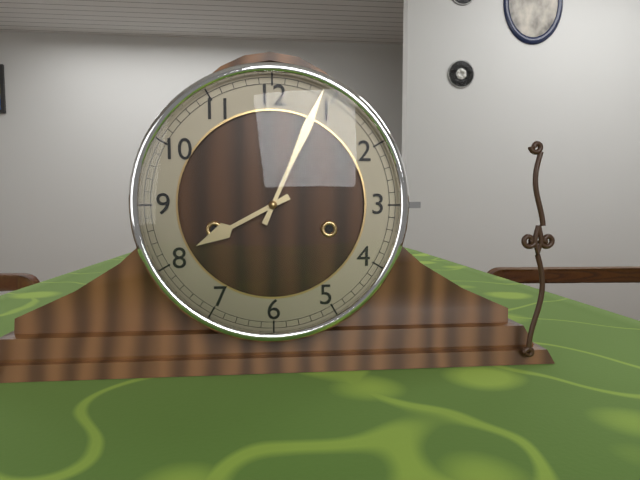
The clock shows 8:04
